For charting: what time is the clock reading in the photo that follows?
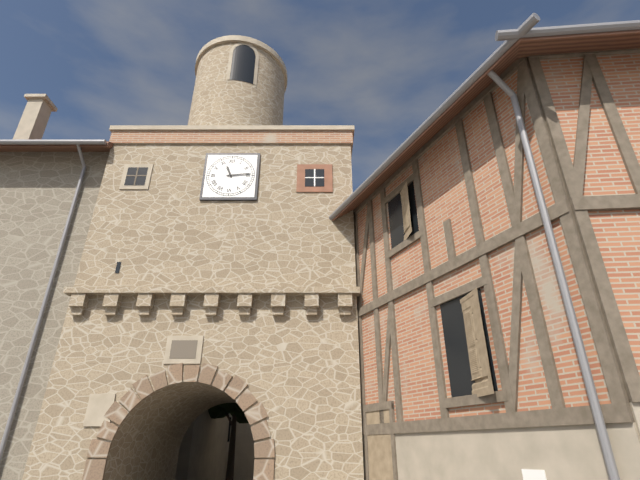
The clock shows 11:14
